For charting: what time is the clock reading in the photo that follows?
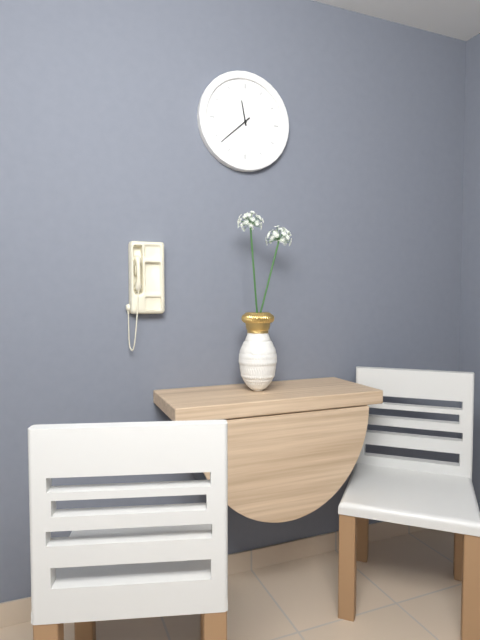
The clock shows 11:38
